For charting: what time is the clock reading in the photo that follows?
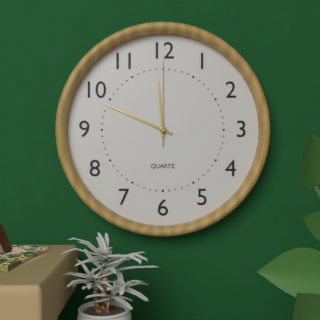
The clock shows 11:49:00
